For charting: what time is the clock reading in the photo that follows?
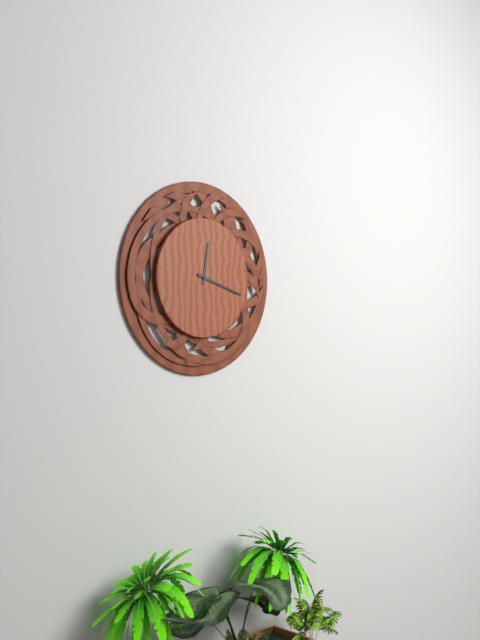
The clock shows 12:18
